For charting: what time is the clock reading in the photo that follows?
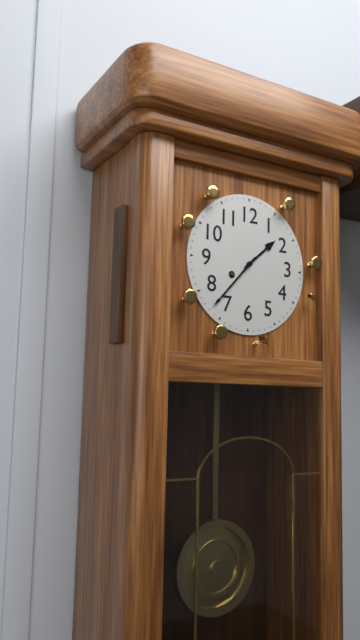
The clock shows 1:37
